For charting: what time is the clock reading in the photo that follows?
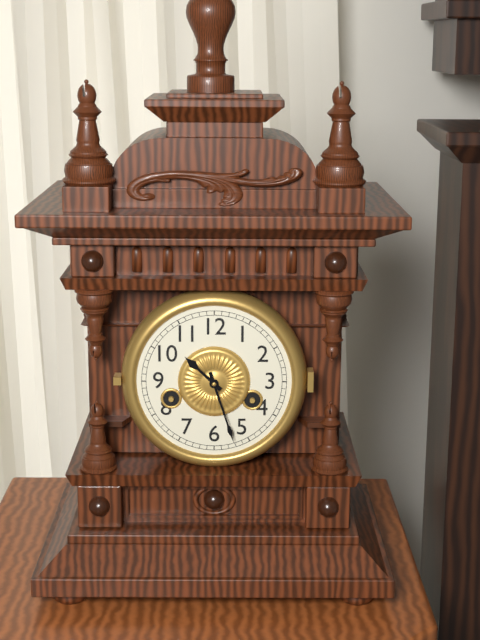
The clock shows 10:27
